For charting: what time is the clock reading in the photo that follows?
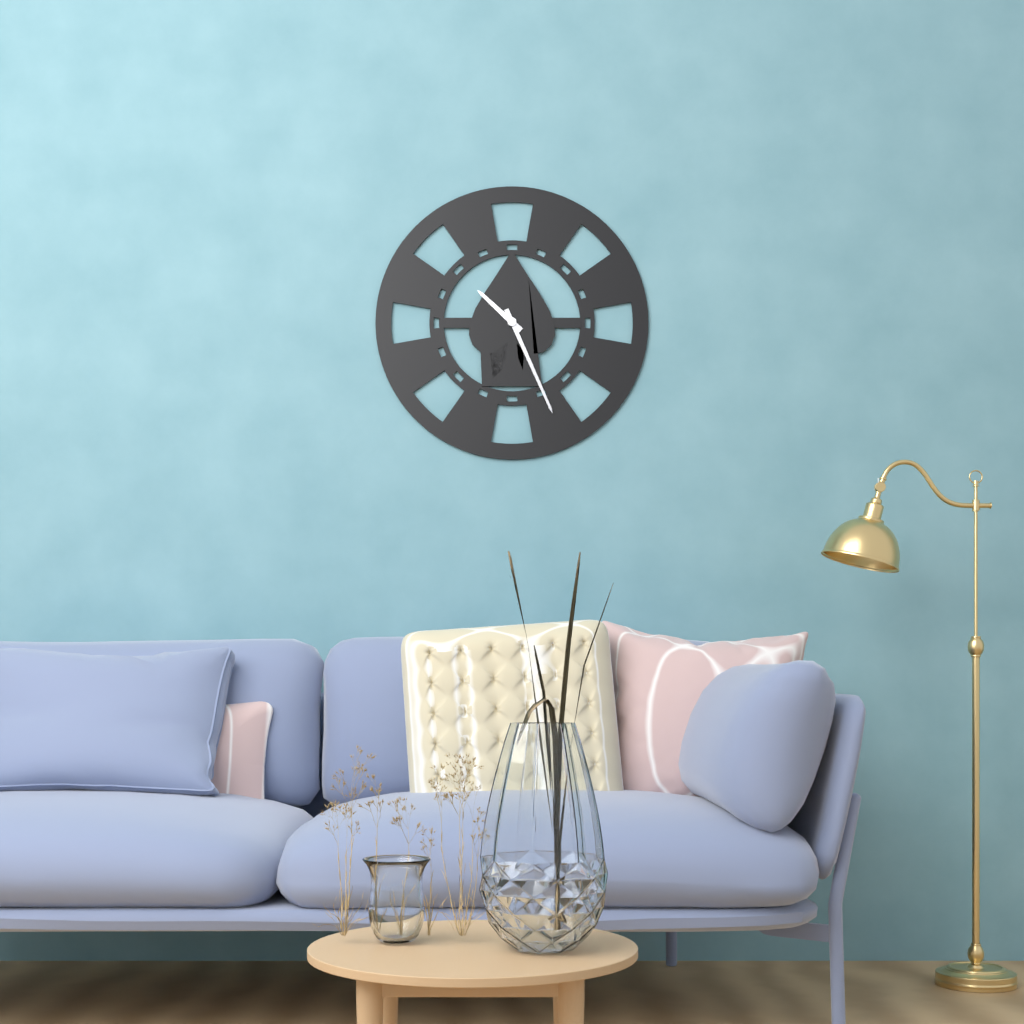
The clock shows 10:26
